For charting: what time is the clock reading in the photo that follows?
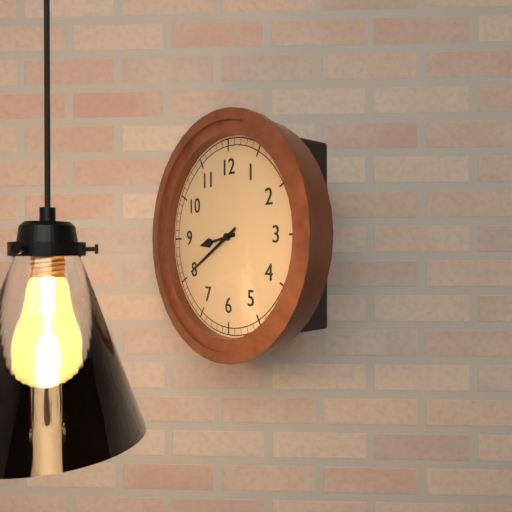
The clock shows 8:40
